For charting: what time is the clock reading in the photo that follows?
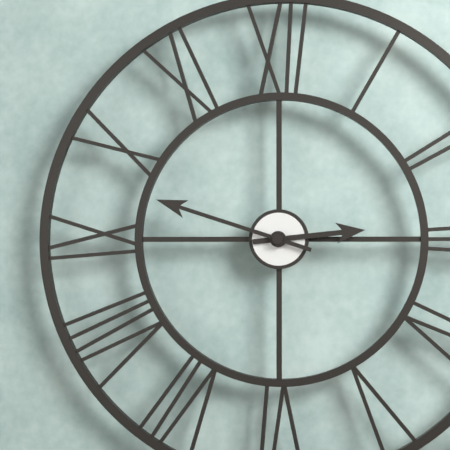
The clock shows 2:48
